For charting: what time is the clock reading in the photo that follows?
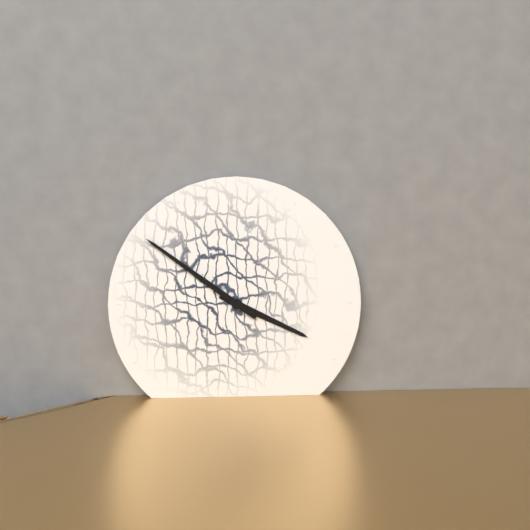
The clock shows 3:51
